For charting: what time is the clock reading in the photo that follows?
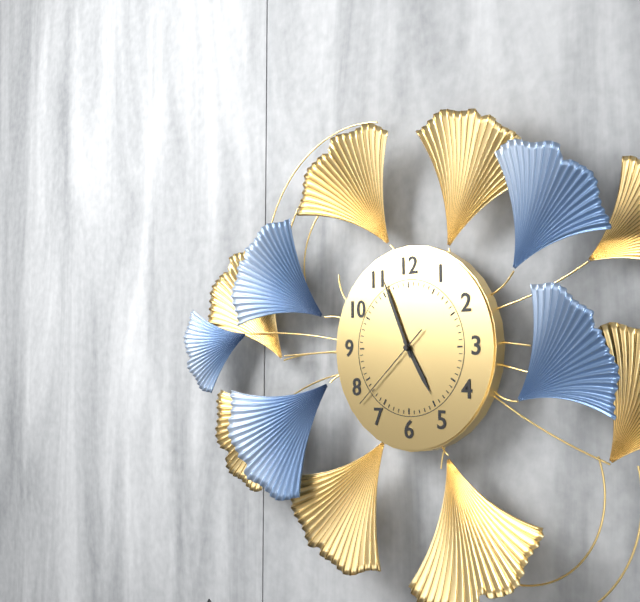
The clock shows 4:56:38
